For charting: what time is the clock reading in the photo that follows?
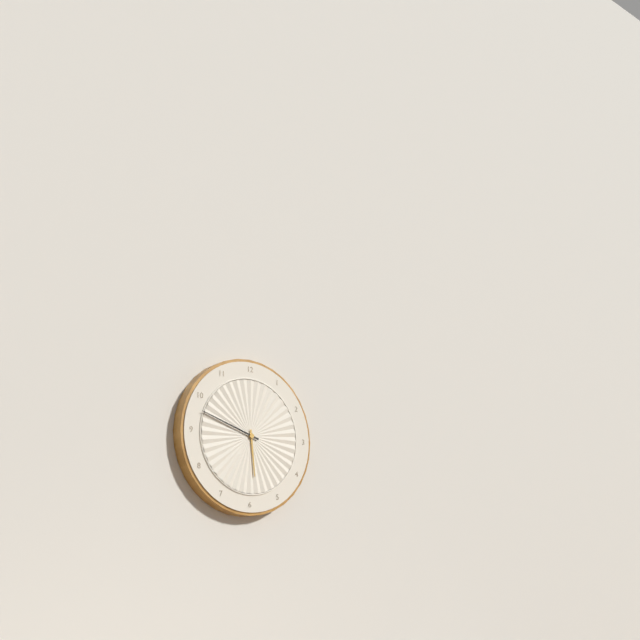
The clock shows 5:48
